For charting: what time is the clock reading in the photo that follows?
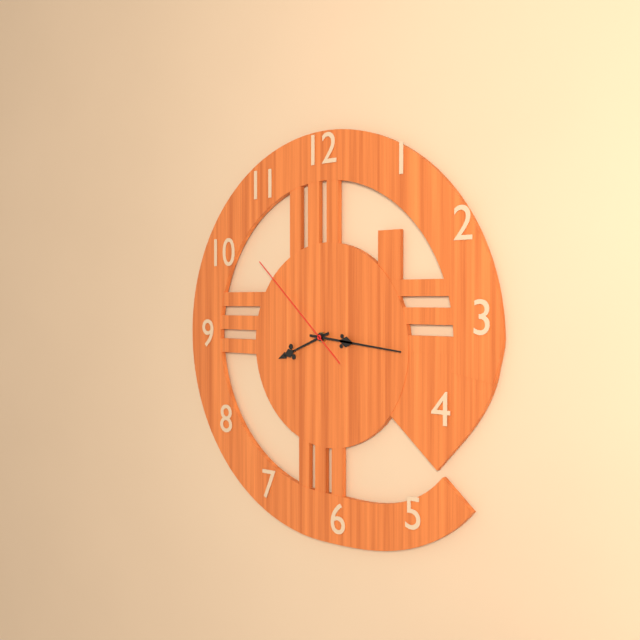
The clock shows 8:16:52
